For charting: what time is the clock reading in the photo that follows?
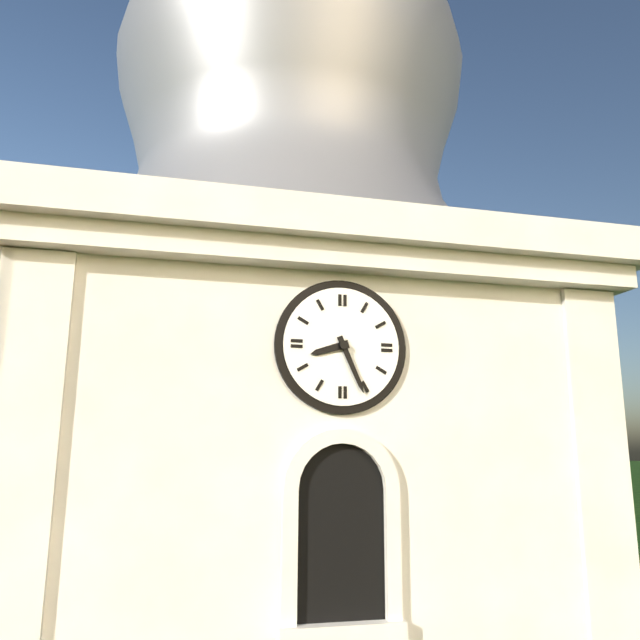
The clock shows 8:26
